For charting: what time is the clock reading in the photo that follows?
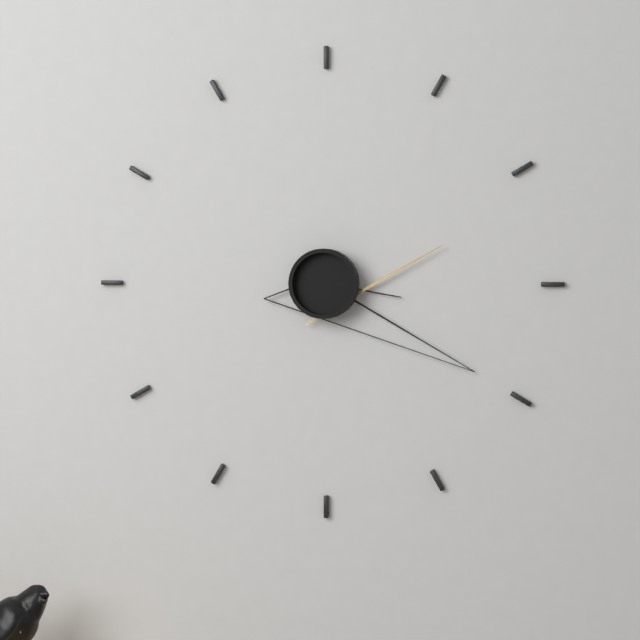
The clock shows 3:20:12
